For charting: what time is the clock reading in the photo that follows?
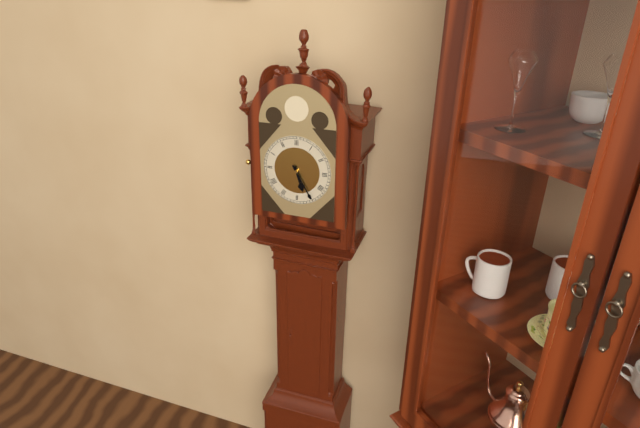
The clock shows 5:25
